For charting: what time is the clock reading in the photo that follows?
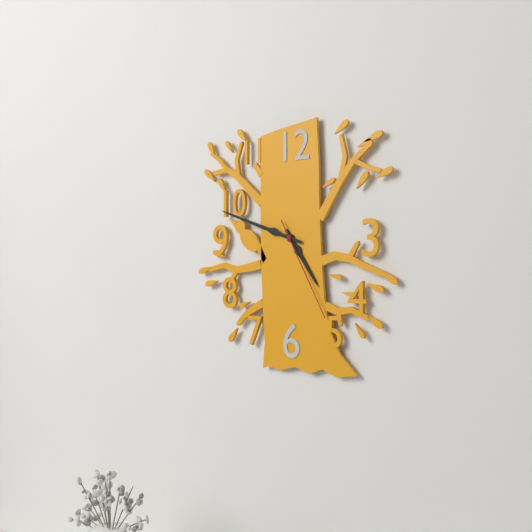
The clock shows 4:48:25
